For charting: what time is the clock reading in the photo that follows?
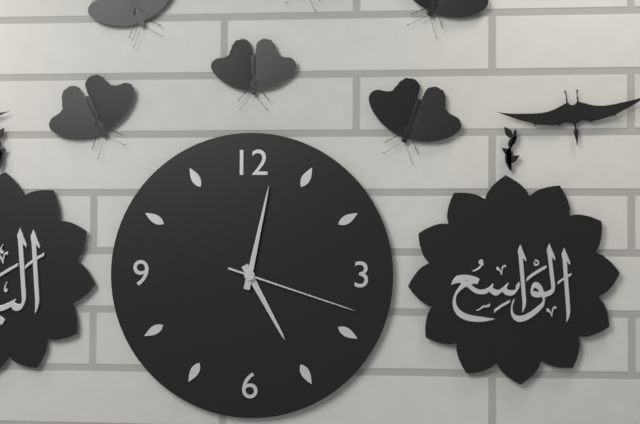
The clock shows 5:02:18
